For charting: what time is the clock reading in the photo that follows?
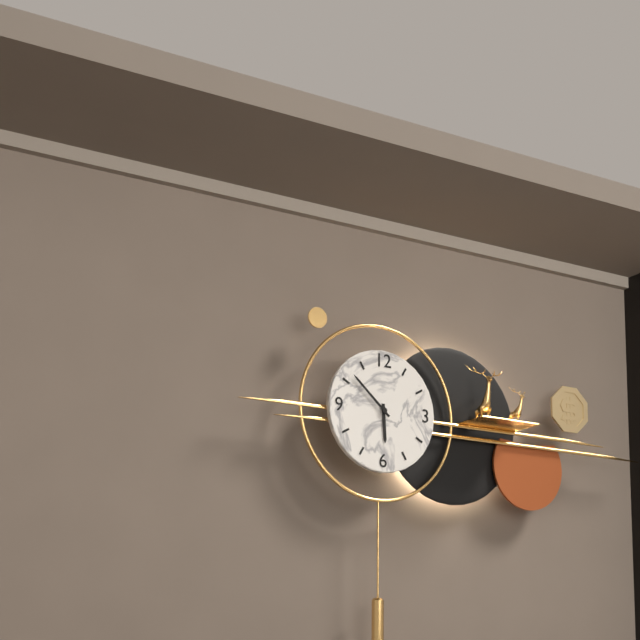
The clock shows 5:52
